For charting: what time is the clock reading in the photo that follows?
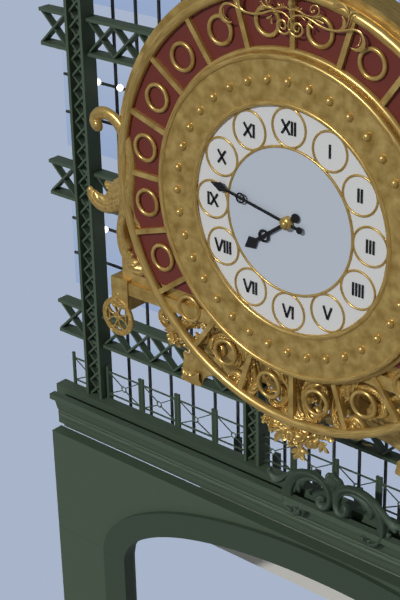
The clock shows 7:47
